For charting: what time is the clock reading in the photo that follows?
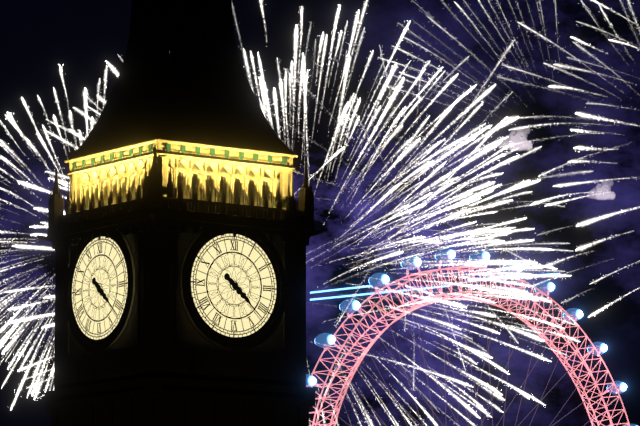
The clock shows 4:22
